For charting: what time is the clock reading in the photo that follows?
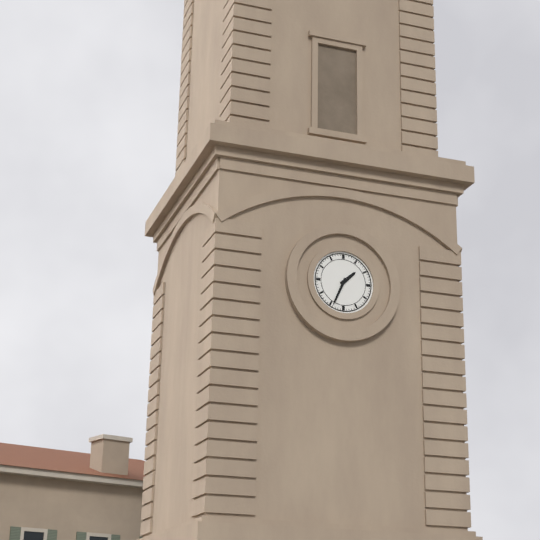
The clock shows 1:34
